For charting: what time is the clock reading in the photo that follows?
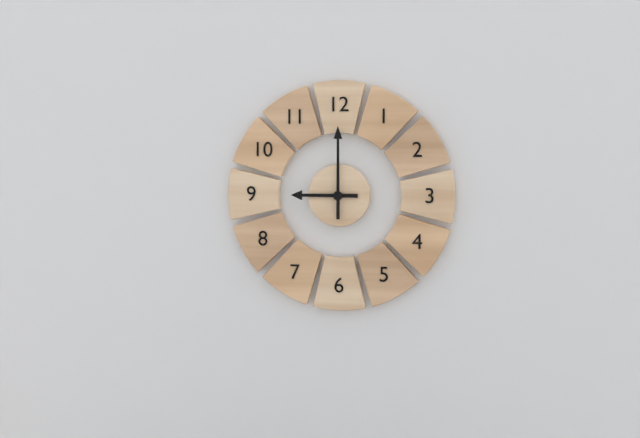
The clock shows 9:00
